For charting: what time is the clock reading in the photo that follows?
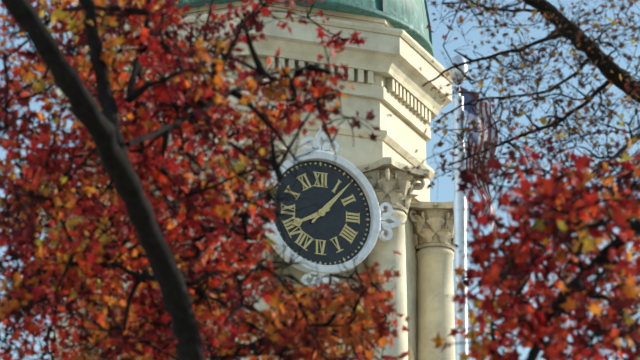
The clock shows 8:07
